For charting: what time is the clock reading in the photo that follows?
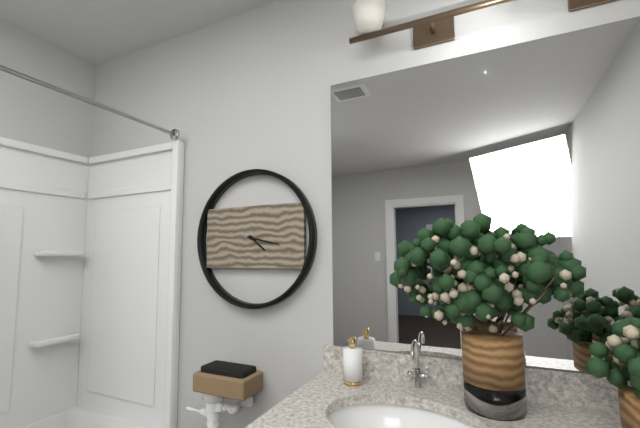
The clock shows 4:17
